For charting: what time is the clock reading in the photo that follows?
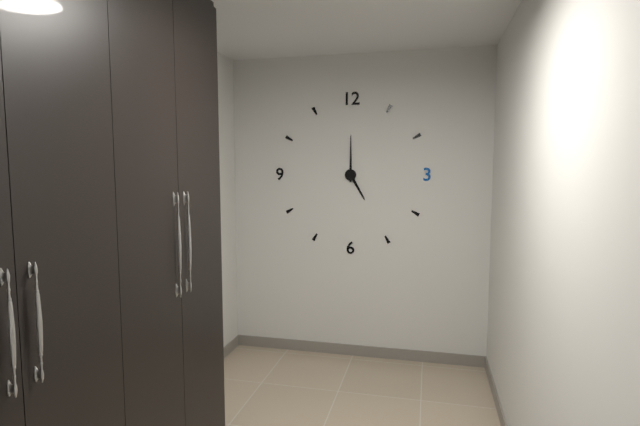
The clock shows 5:00
